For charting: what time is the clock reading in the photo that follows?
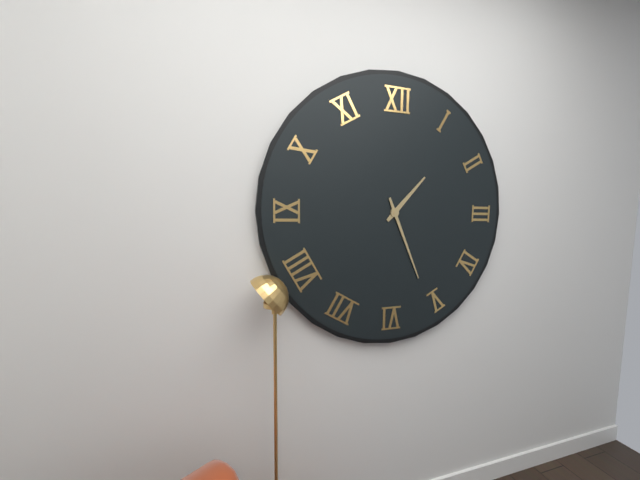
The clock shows 1:26
